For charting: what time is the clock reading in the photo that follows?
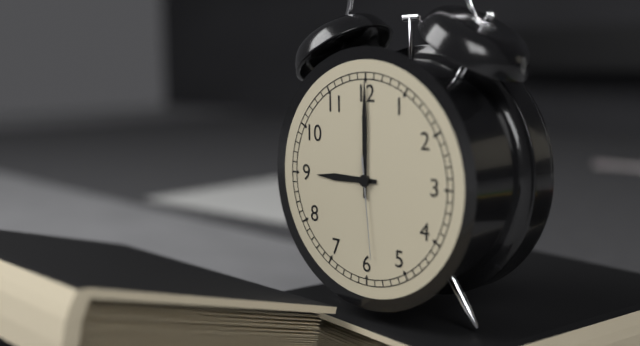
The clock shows 9:00:29
